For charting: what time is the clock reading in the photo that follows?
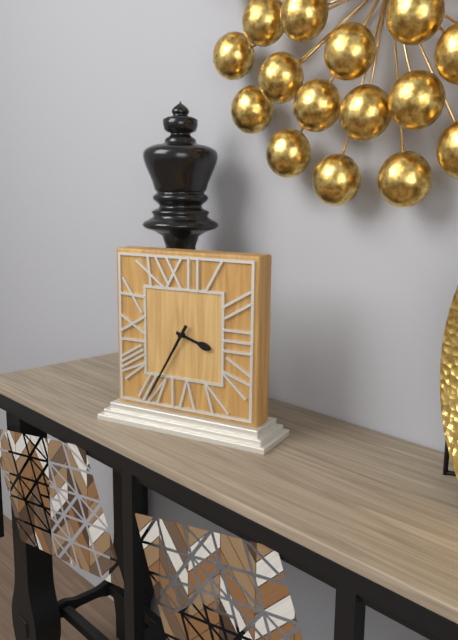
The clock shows 3:35
